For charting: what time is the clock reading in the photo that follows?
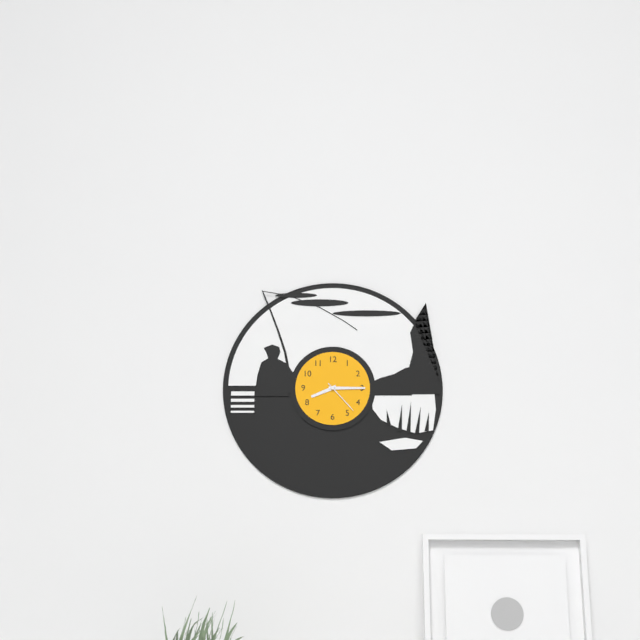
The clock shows 8:15
